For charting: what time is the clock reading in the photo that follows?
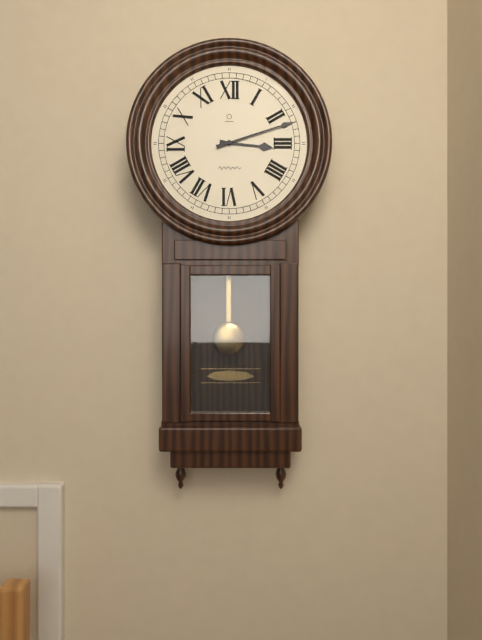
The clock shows 3:12
